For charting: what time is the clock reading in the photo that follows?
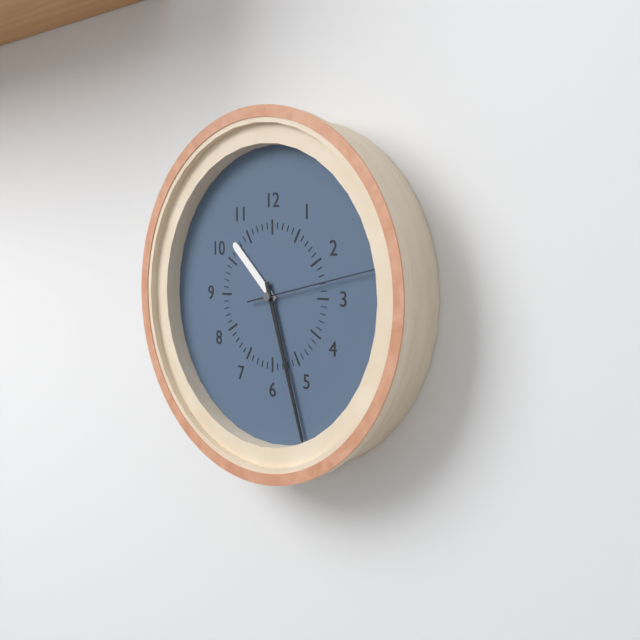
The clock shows 10:27:13
